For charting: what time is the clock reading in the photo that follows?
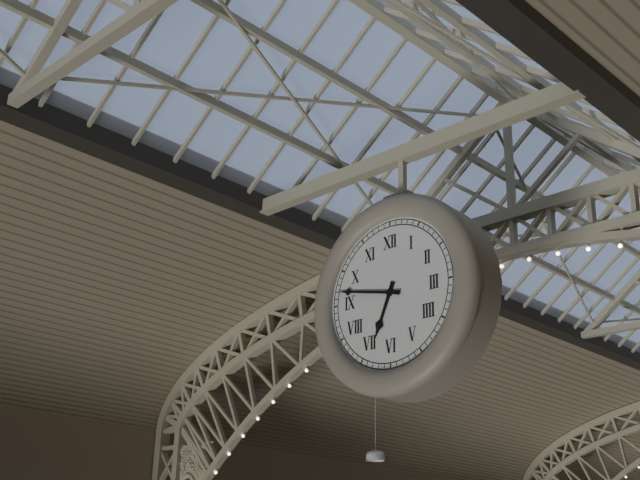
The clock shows 6:47
